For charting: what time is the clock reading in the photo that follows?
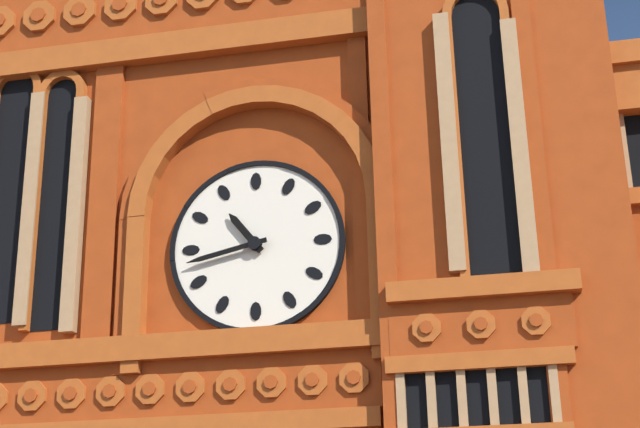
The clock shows 10:43
